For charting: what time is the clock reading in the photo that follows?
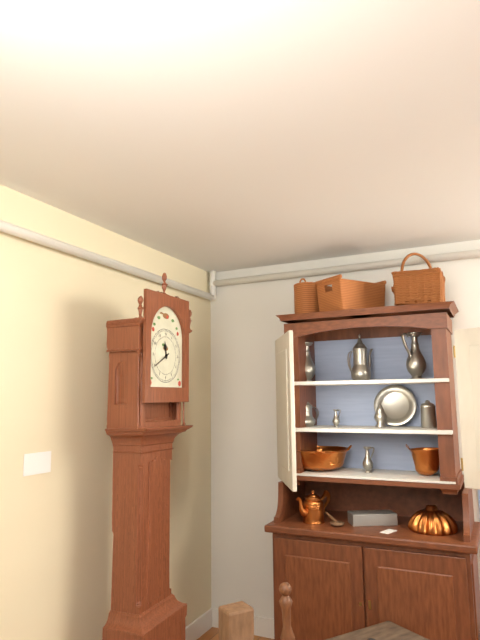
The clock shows 11:40
